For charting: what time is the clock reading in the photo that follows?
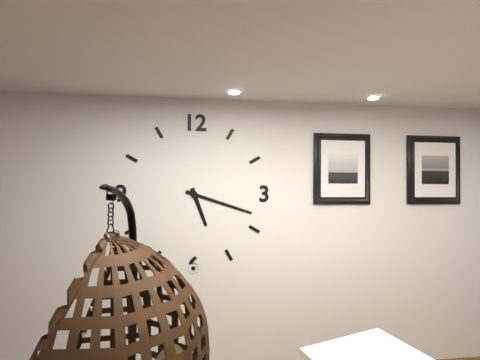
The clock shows 5:18
